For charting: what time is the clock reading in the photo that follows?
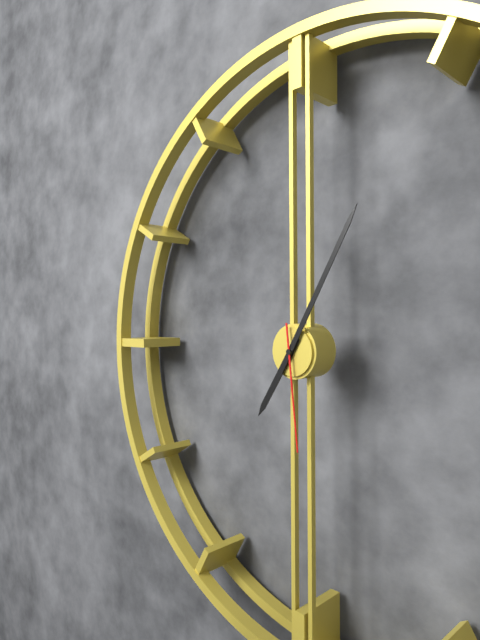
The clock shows 7:05:29
